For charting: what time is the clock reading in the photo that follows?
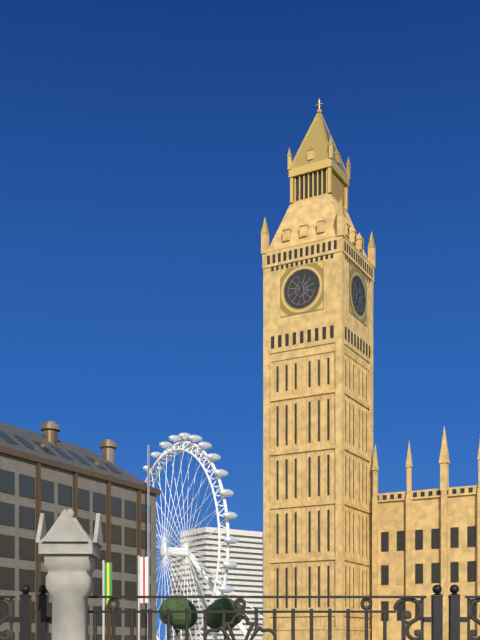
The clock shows 6:57
